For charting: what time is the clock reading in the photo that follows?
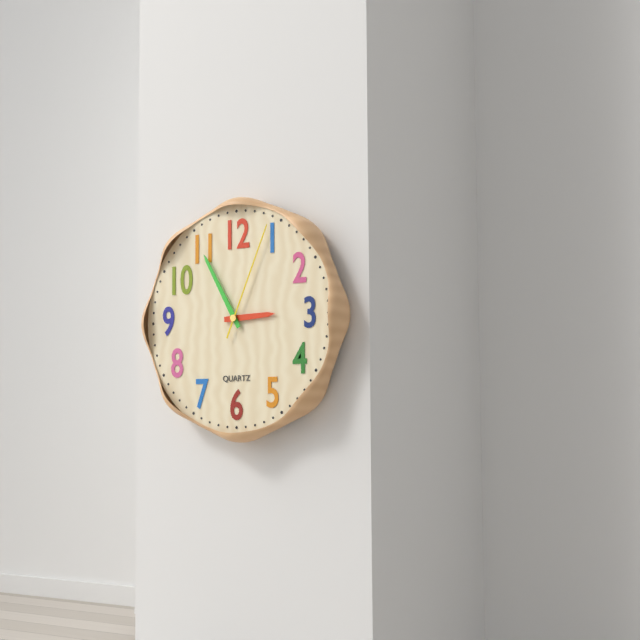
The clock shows 2:55:04
